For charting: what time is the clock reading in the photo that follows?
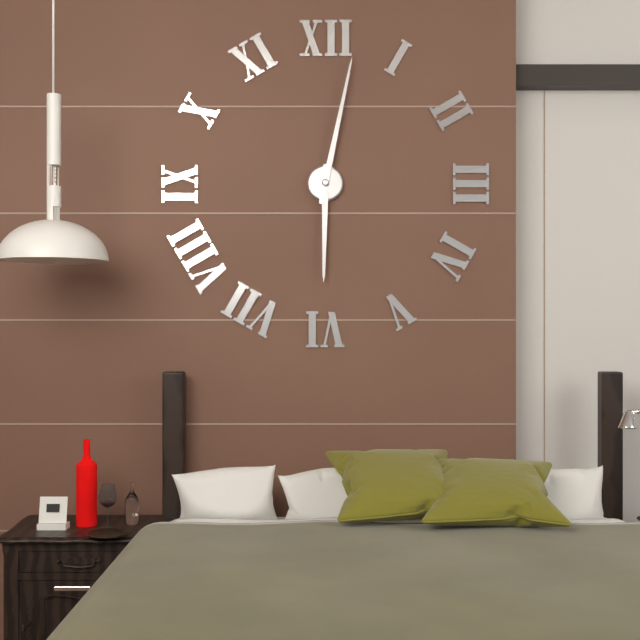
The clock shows 6:02
